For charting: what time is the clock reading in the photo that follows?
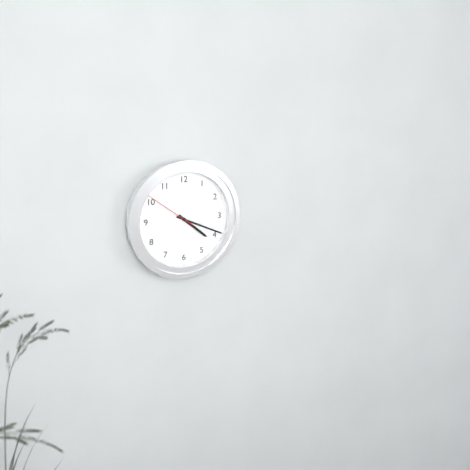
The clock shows 4:19:51
